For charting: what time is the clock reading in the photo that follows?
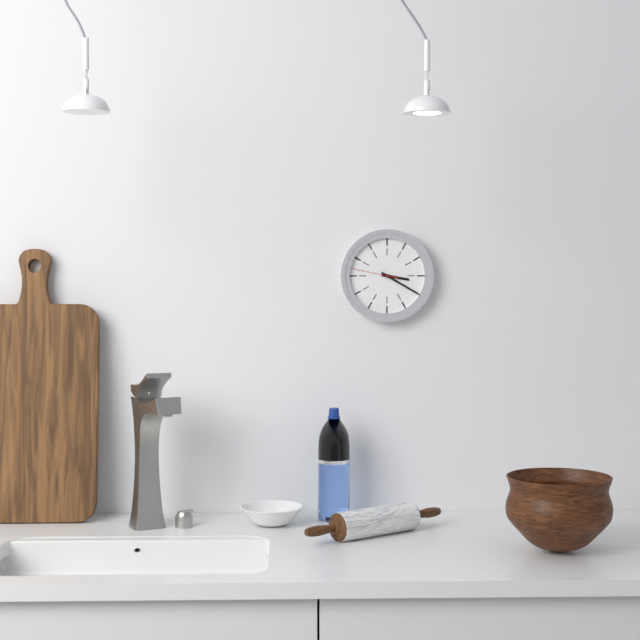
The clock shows 3:20
